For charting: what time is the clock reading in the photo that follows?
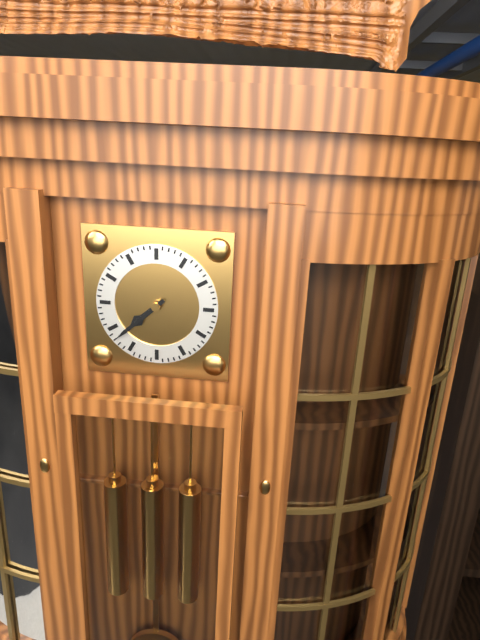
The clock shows 7:38
